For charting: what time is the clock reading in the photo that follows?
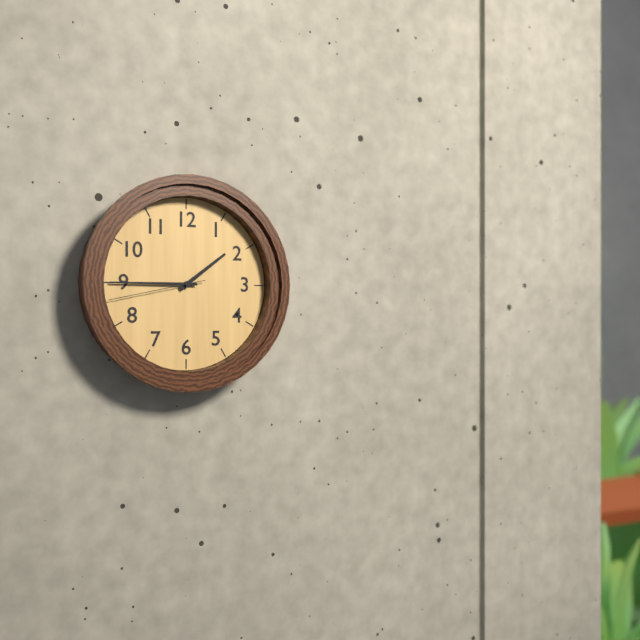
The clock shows 1:45:43
